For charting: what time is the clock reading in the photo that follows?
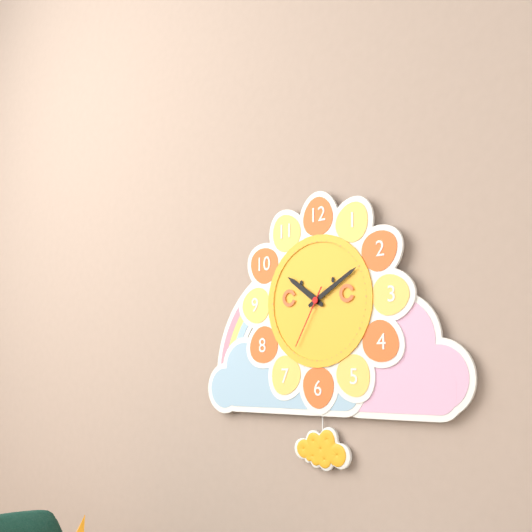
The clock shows 10:10:35
